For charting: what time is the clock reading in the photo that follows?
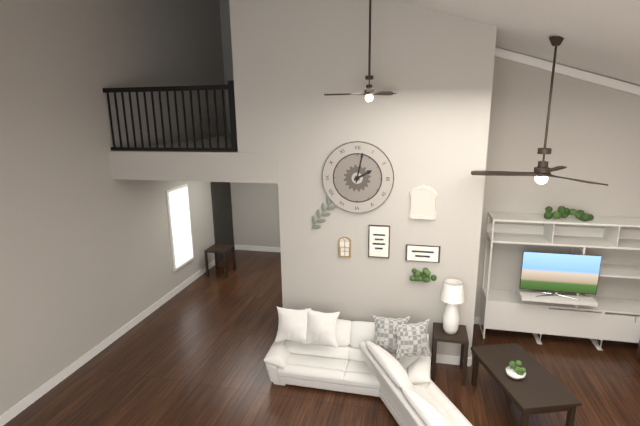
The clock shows 2:02
